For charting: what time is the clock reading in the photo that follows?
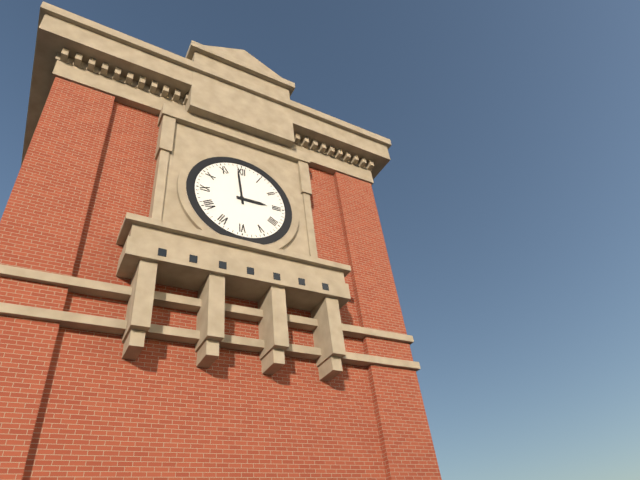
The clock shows 2:59
